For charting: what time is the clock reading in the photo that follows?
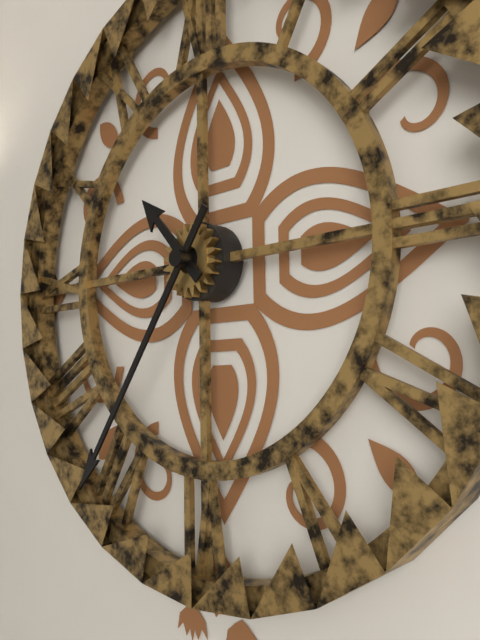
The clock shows 10:36
